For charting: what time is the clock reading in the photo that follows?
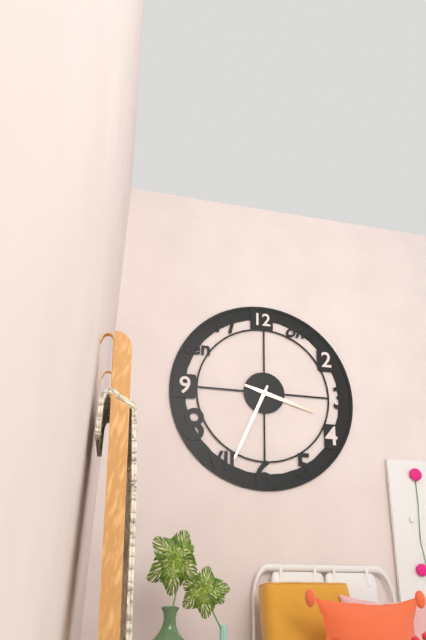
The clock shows 3:34
